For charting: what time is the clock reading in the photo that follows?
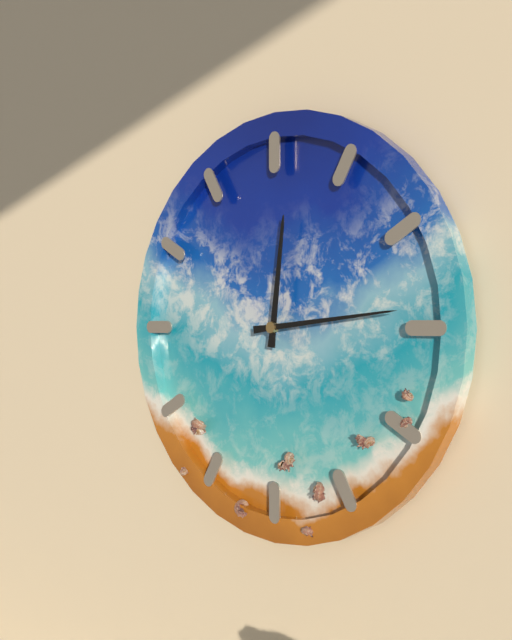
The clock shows 12:14
